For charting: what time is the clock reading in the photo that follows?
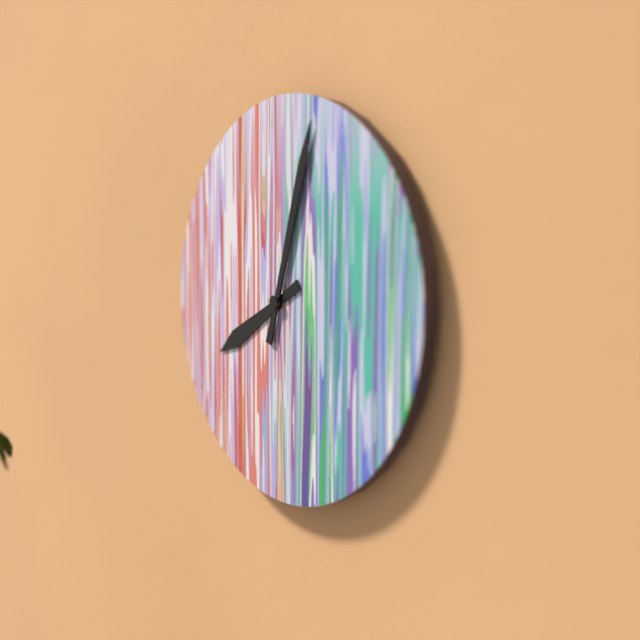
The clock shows 8:03
